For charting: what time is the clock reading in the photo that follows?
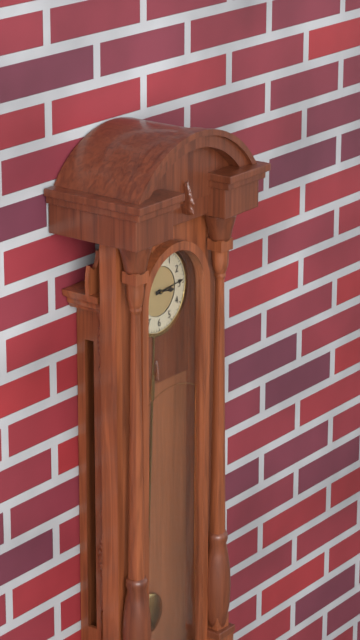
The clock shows 3:14
